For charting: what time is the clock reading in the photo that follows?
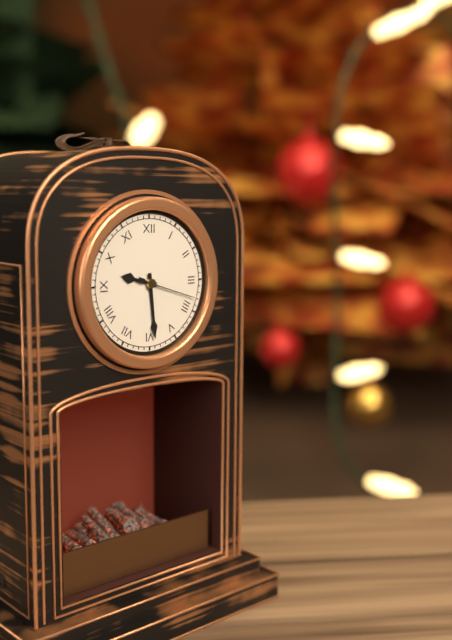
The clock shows 9:29:18
